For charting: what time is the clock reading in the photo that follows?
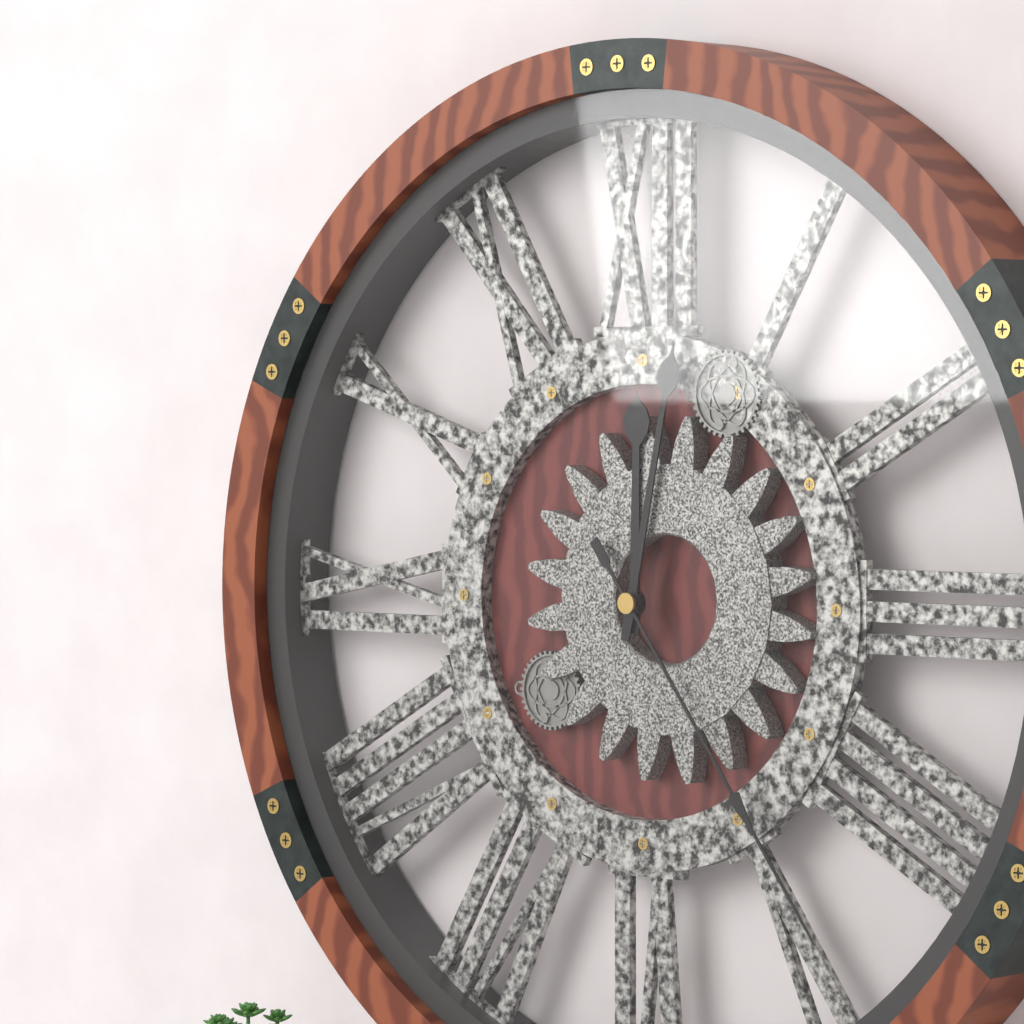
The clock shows 12:02:24
